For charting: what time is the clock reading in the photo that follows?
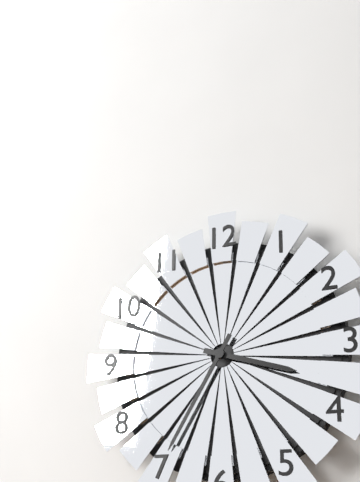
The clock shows 3:35
